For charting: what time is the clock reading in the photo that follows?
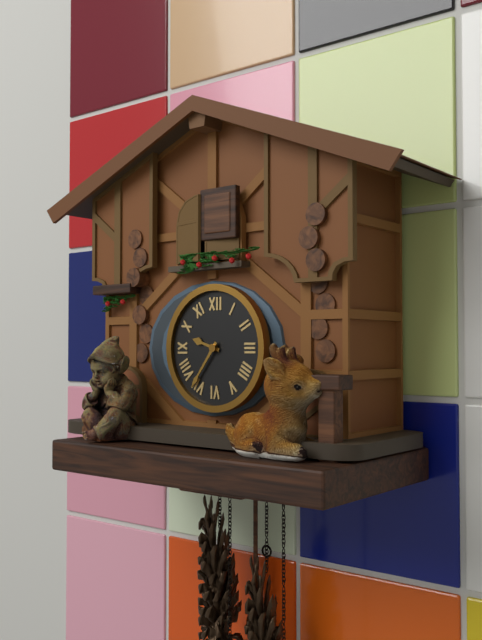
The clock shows 9:36
